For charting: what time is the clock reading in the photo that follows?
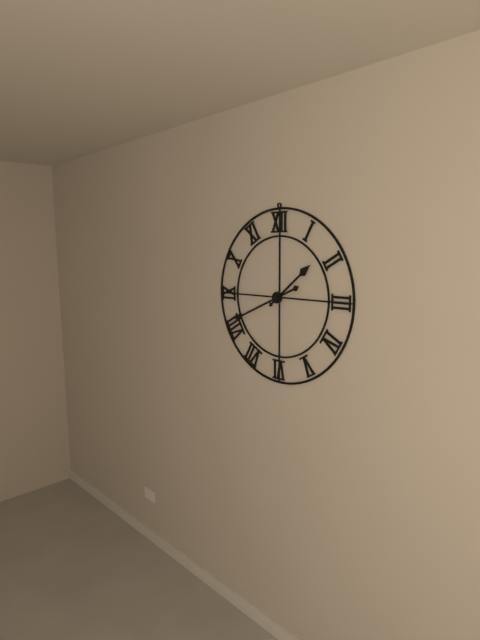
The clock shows 1:41
